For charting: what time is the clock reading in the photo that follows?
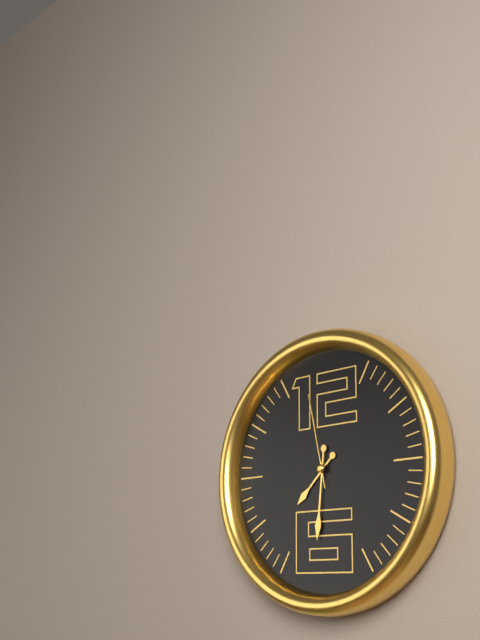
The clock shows 7:31:58
